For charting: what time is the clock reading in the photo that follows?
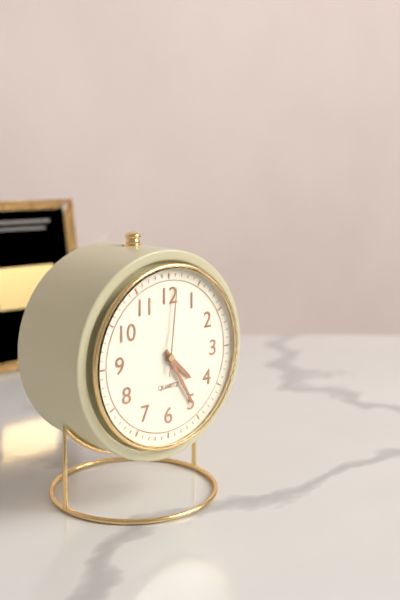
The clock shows 4:25:01
